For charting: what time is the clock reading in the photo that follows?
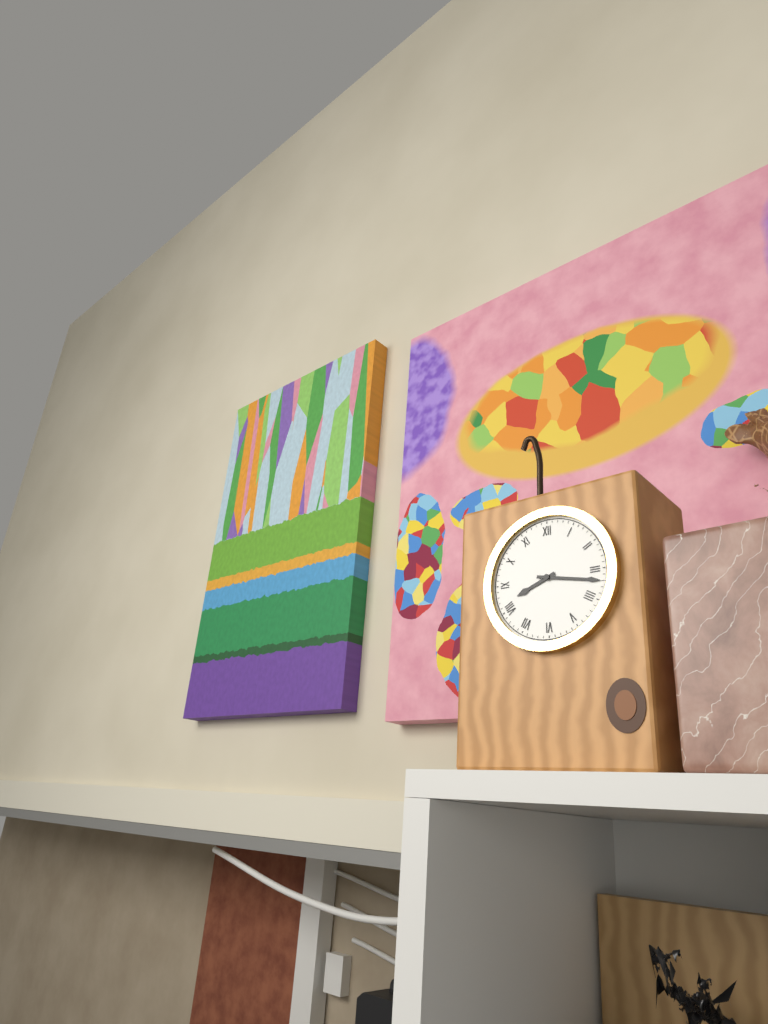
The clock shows 8:17
